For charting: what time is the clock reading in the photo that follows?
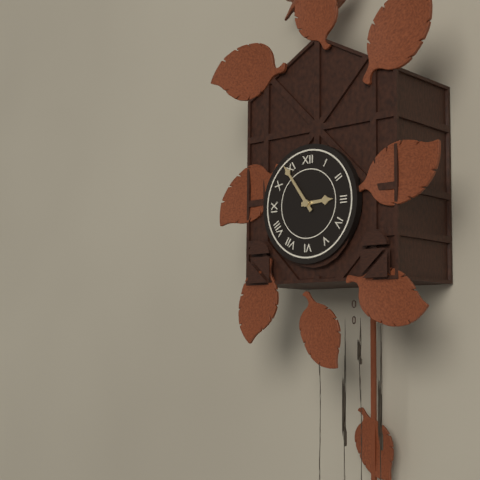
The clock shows 2:54
